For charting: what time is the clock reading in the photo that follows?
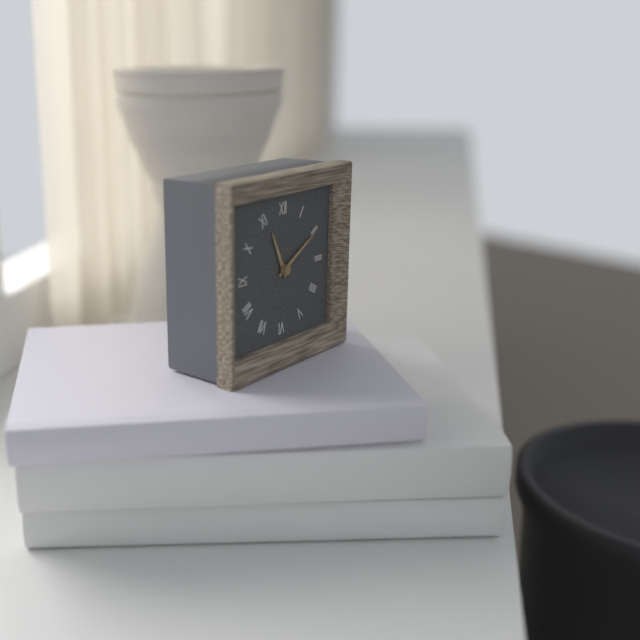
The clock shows 11:10
